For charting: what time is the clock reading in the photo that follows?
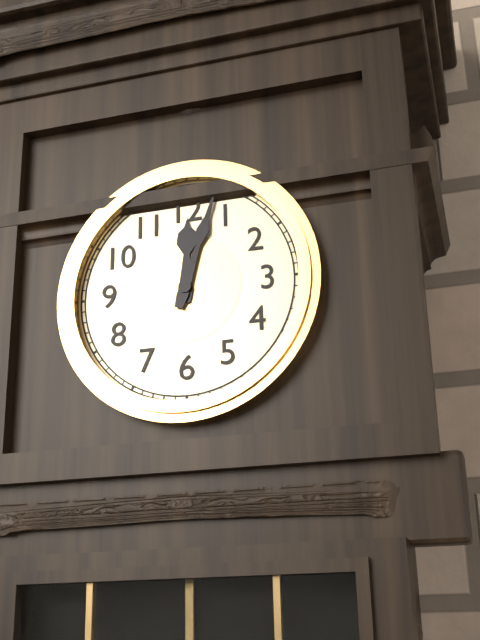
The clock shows 12:03
